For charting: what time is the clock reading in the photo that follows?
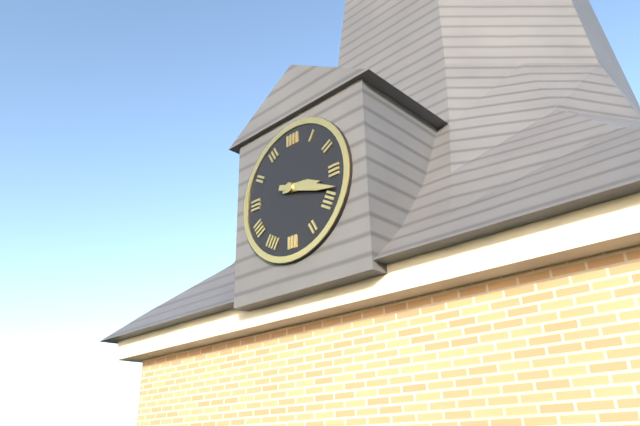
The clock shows 3:18
